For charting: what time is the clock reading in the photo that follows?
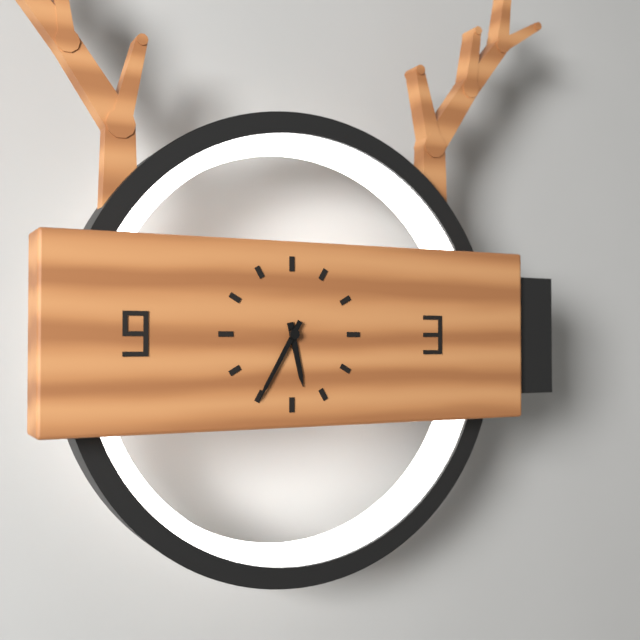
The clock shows 5:35
